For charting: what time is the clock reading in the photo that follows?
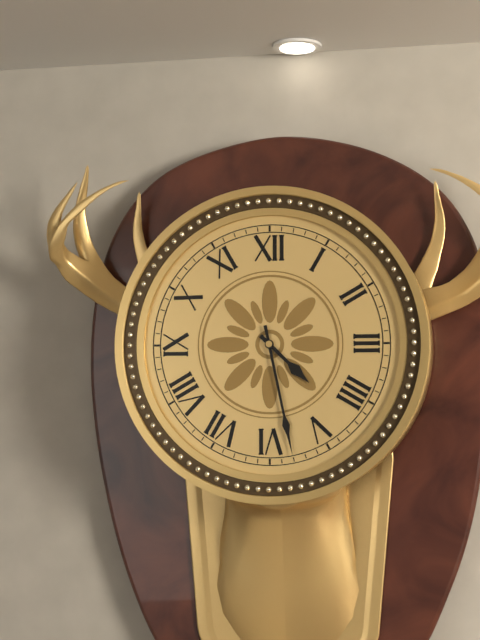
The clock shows 4:28
